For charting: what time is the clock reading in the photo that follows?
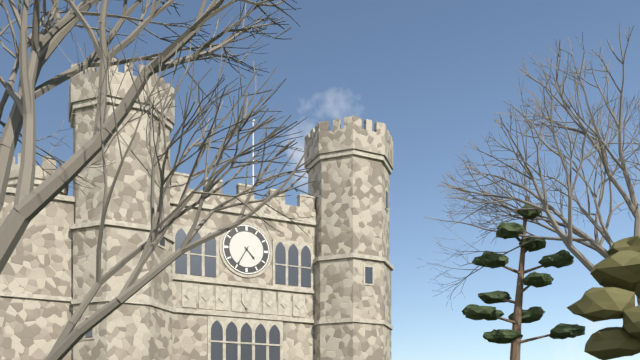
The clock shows 4:35
